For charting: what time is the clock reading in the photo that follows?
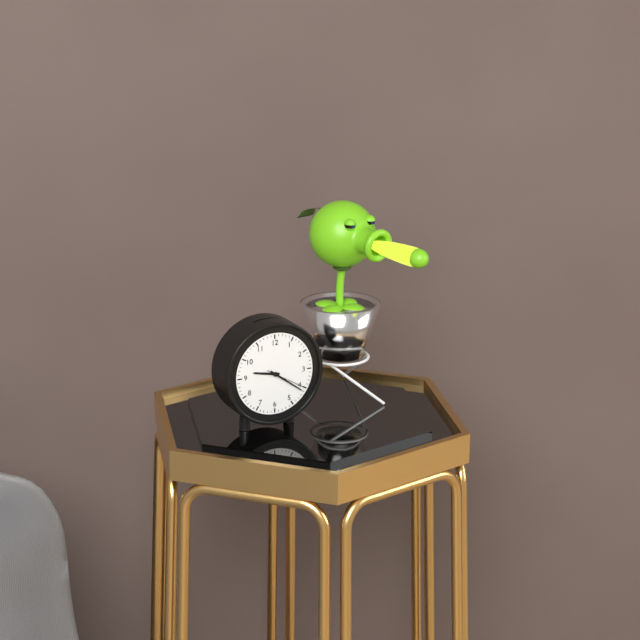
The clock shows 9:21
